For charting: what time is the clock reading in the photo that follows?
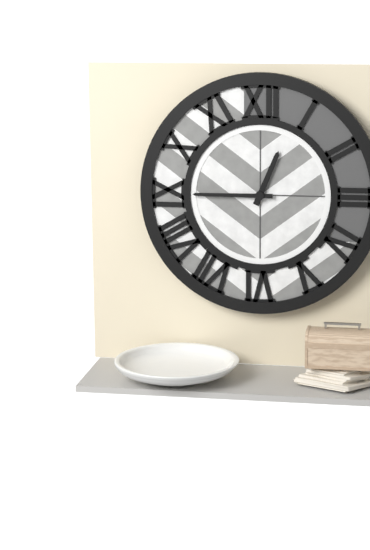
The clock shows 12:45
